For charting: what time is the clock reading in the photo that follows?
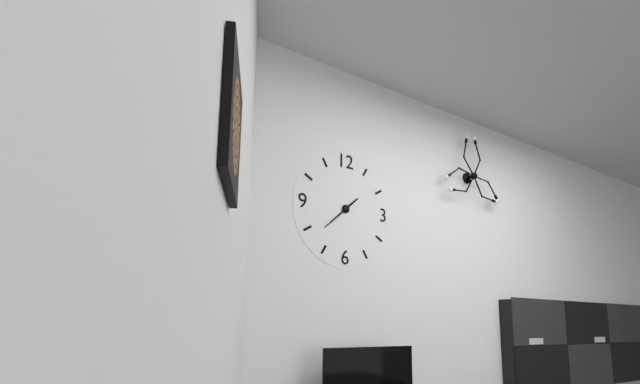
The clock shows 1:38
